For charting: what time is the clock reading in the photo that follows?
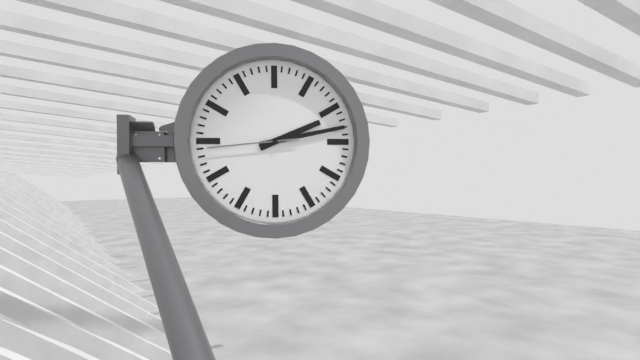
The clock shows 2:13:44
